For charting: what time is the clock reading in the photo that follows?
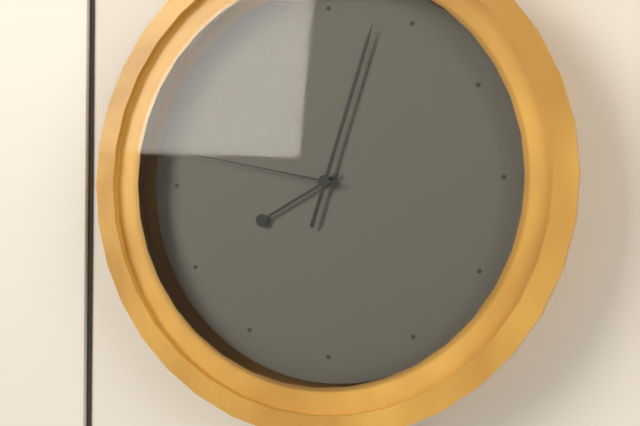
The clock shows 8:03:47
